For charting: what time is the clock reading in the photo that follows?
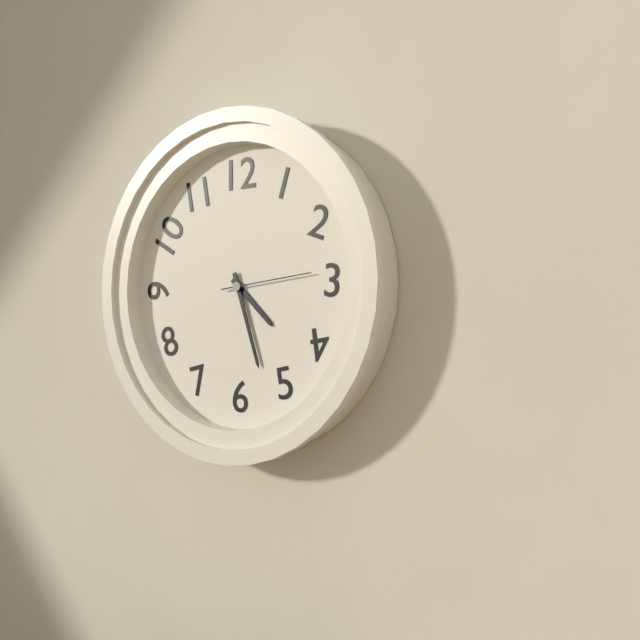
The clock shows 4:27:14
